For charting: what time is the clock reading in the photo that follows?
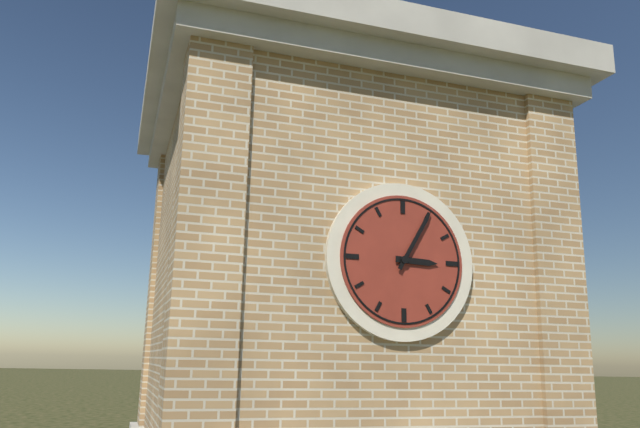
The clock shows 3:05
